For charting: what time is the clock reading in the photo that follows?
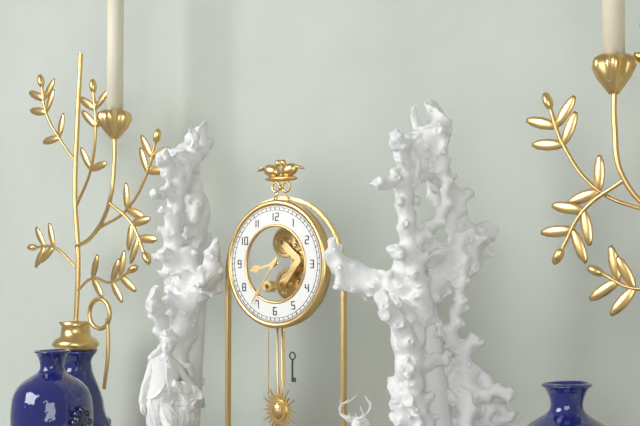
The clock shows 8:36
